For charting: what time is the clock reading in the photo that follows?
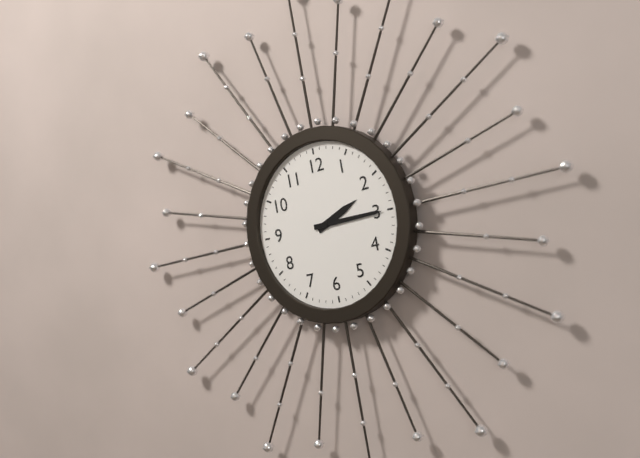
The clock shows 2:15
